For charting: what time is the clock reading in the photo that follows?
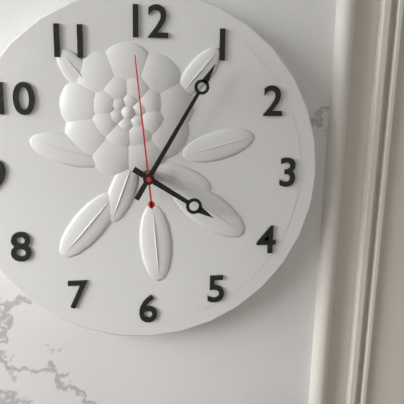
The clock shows 4:05:59
